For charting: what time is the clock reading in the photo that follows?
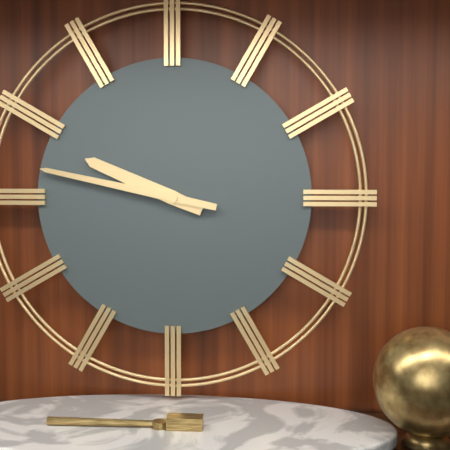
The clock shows 9:47
